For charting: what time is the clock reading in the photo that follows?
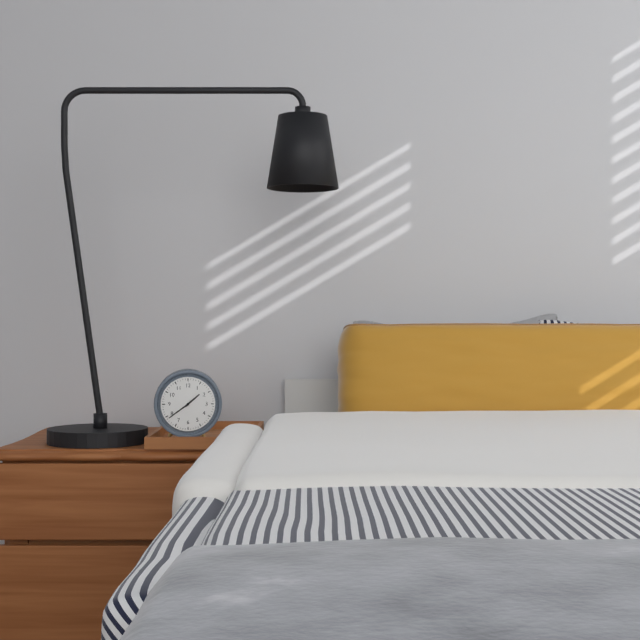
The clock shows 1:39
